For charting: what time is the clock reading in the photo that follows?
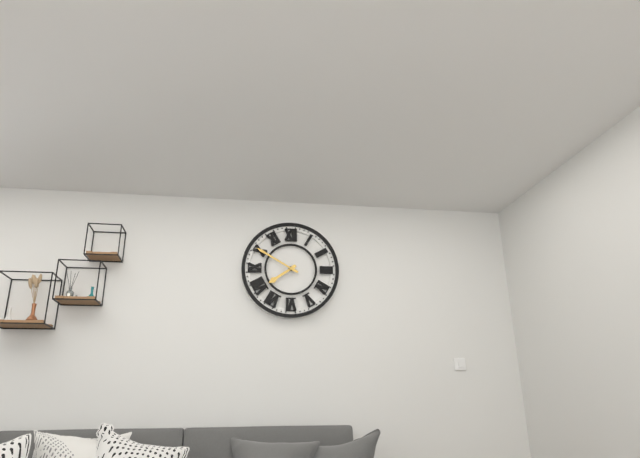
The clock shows 7:50
